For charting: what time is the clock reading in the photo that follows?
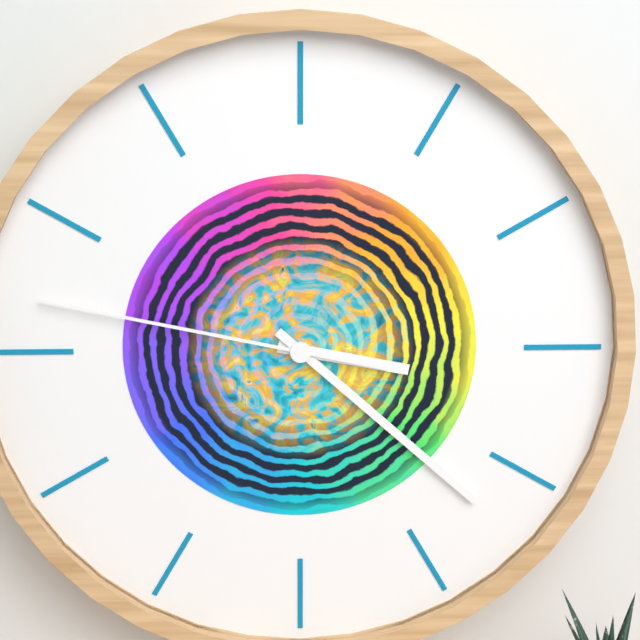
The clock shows 3:22:47
